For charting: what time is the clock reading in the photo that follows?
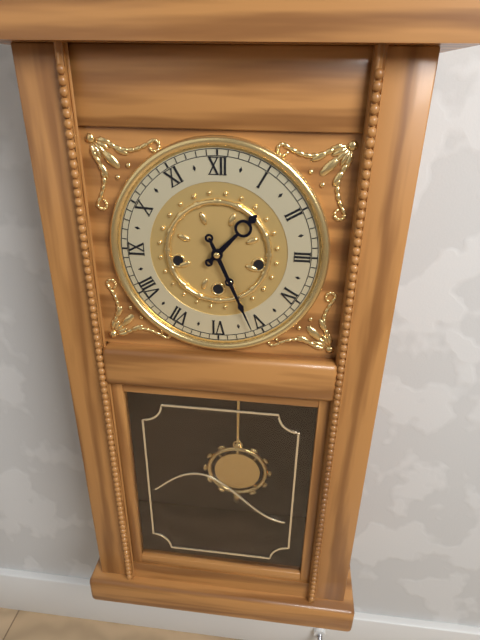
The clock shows 1:26
